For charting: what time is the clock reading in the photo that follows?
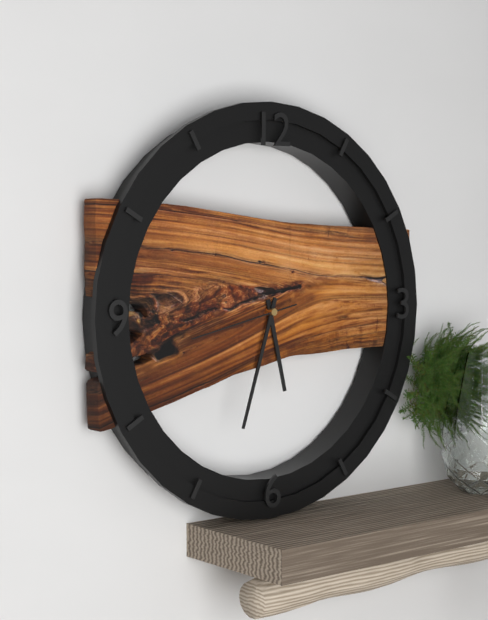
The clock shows 5:33:43
